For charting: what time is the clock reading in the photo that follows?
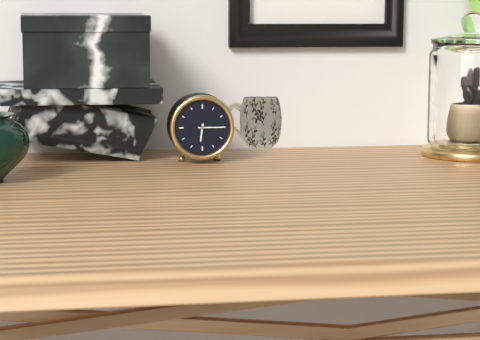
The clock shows 6:15
